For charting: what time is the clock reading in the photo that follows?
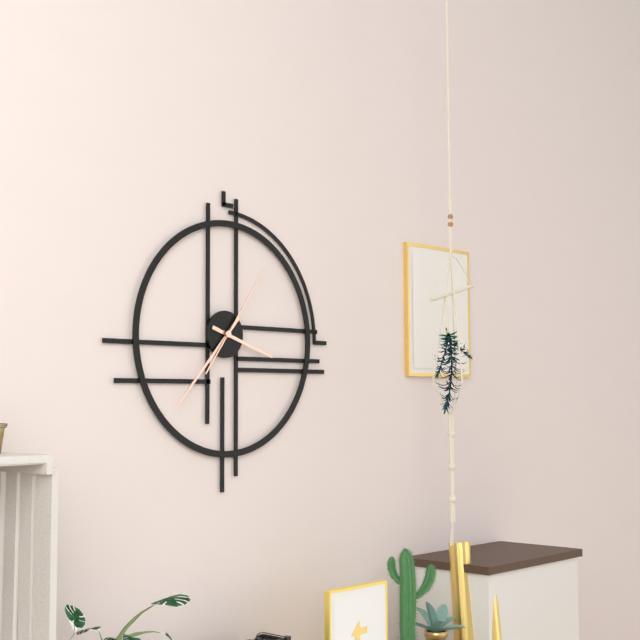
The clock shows 3:37:06
